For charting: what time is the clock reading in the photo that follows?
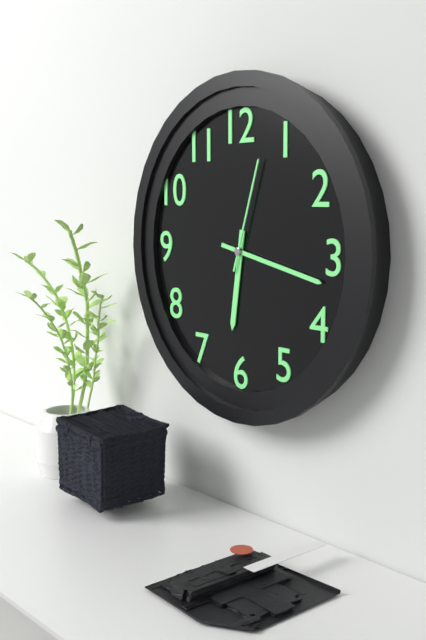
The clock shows 6:17:03
